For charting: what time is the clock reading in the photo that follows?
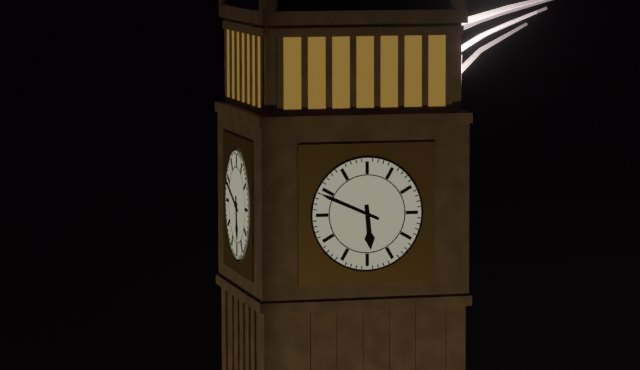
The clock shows 5:49
